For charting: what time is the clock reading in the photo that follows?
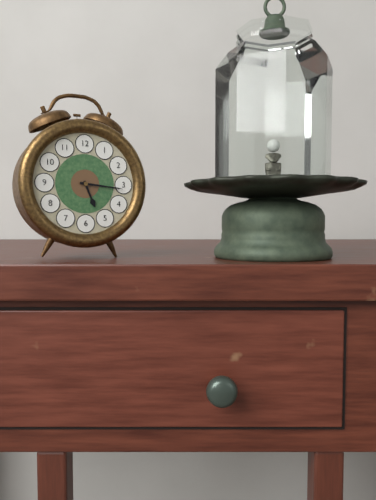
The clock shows 5:16
